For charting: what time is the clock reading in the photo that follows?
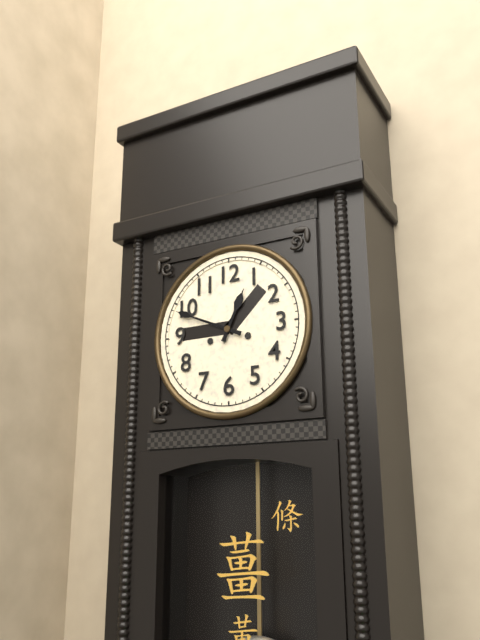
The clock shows 12:49
